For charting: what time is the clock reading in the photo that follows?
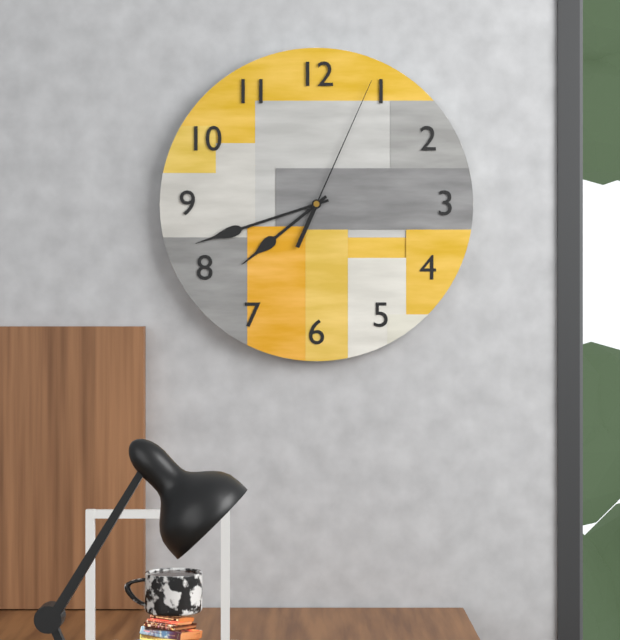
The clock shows 7:42:04
